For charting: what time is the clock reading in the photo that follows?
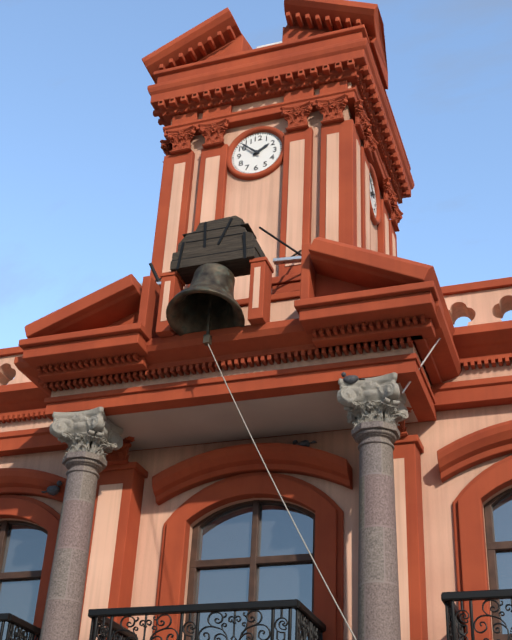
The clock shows 1:52
